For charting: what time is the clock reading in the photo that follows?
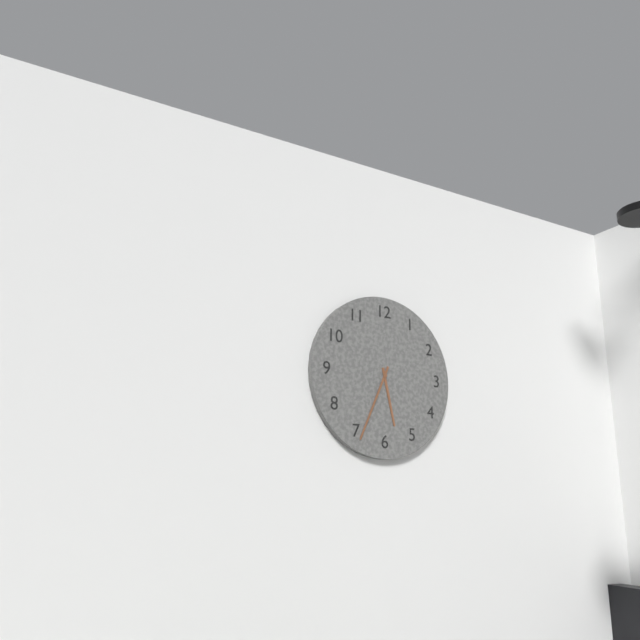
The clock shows 5:34
